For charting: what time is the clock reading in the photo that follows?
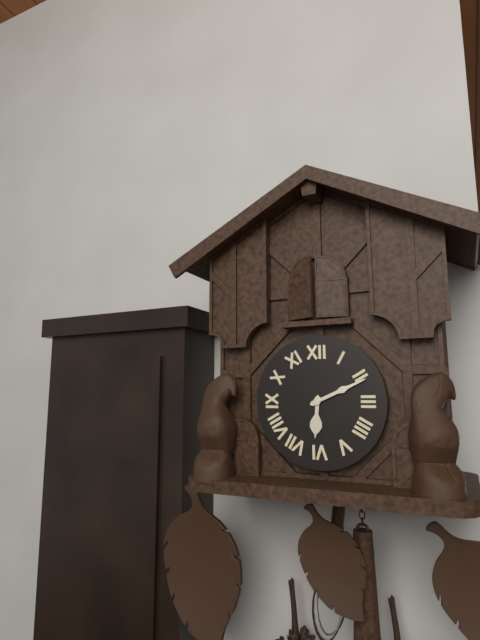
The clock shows 6:11
